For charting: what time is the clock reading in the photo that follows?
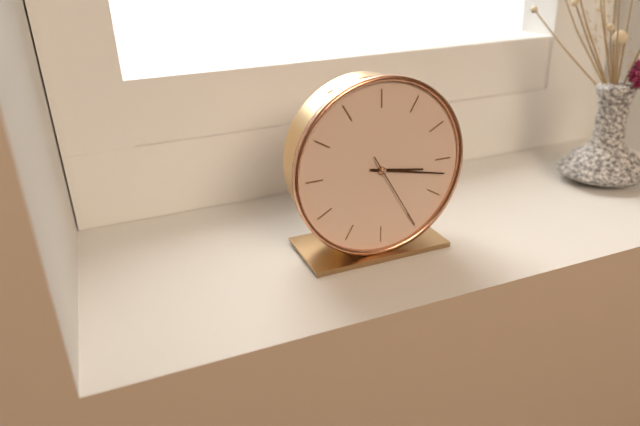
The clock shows 3:17:25
